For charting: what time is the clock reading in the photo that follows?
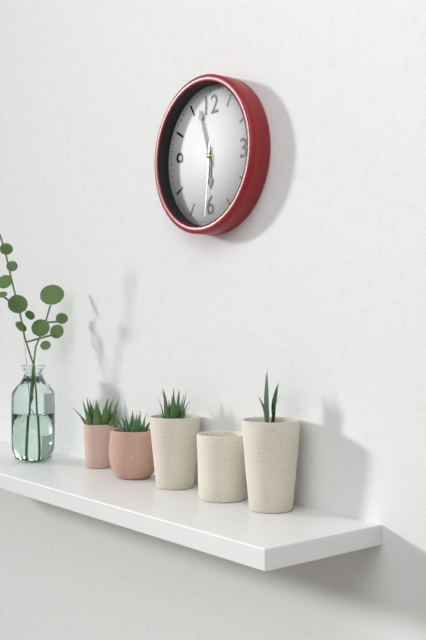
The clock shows 5:57:31
